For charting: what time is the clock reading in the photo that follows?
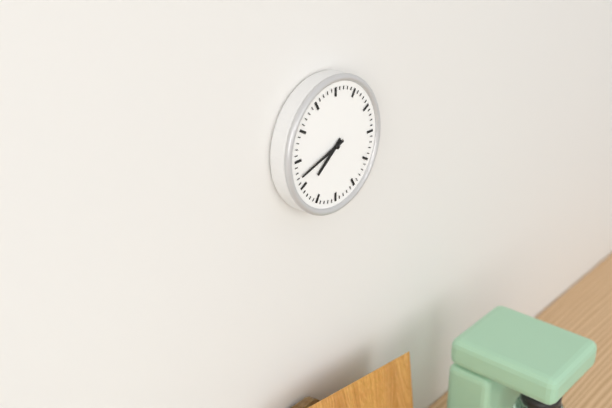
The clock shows 7:42
